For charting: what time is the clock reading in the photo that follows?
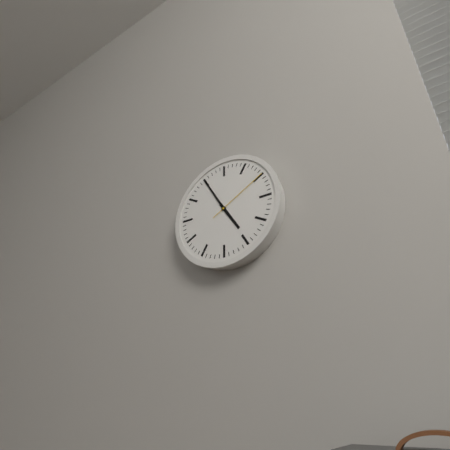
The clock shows 4:55:10
